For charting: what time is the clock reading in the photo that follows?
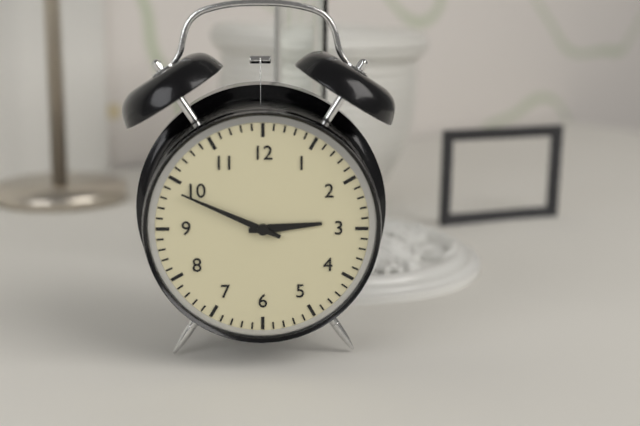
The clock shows 2:49
